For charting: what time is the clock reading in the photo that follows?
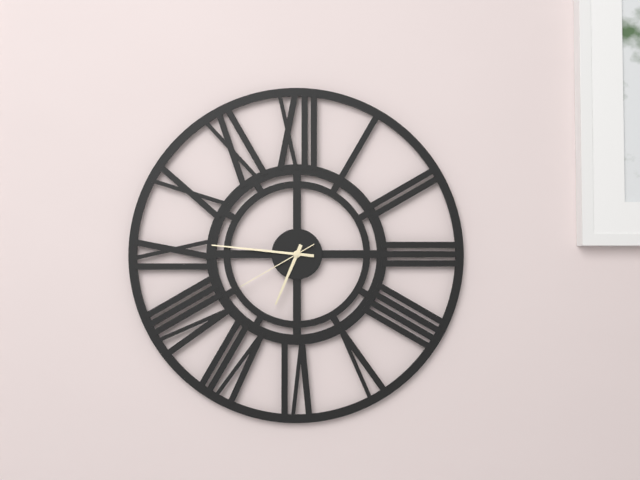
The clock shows 6:46:40
